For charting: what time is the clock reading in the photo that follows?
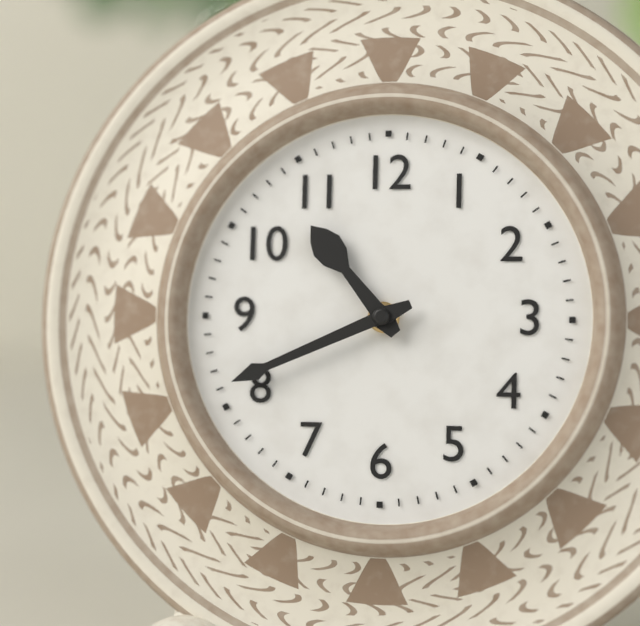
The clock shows 10:41
